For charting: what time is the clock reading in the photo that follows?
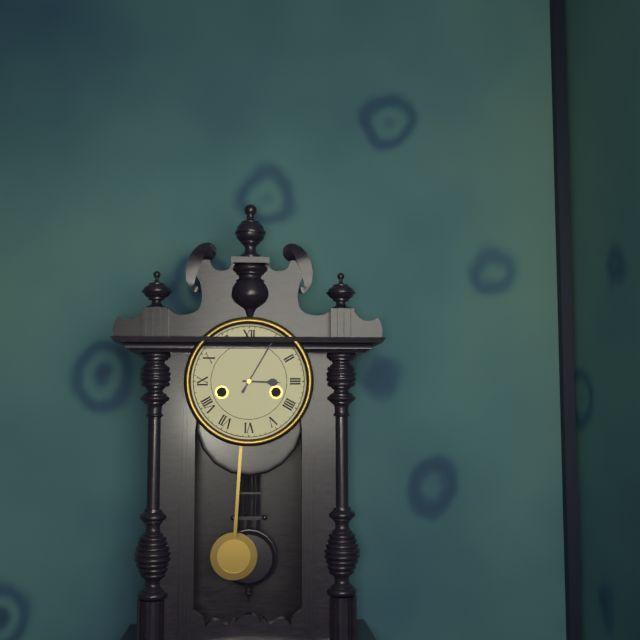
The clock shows 3:05
